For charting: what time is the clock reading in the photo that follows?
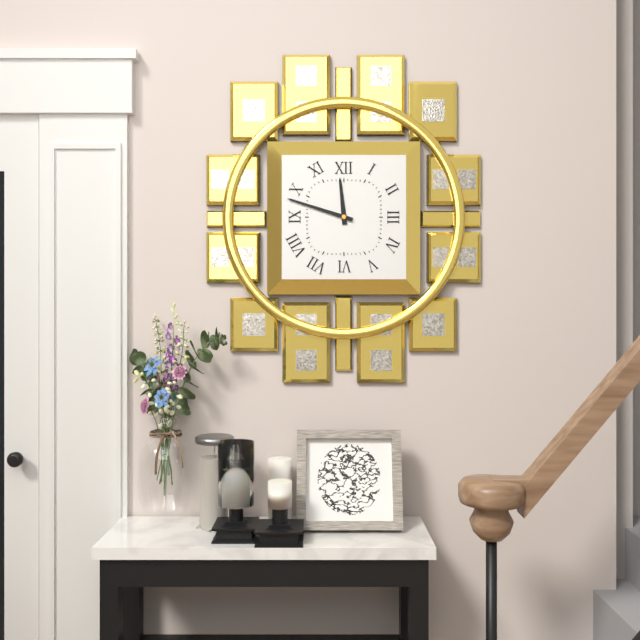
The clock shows 11:48
